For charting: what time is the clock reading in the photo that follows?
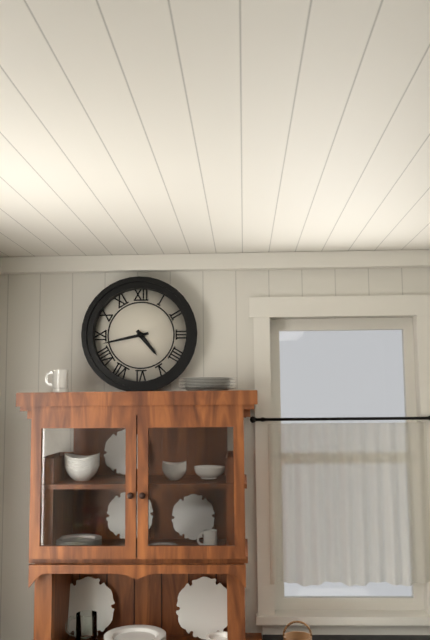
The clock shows 4:43
